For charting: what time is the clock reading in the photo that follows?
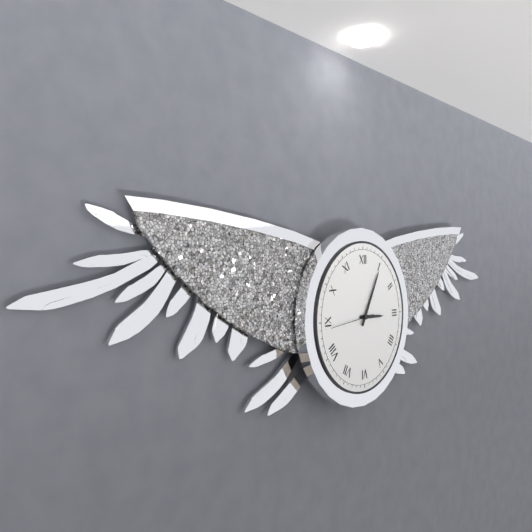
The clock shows 3:05
